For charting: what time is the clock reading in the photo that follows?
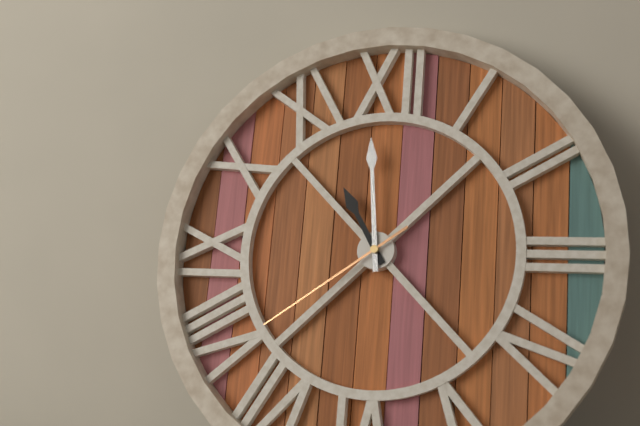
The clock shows 10:59:39
